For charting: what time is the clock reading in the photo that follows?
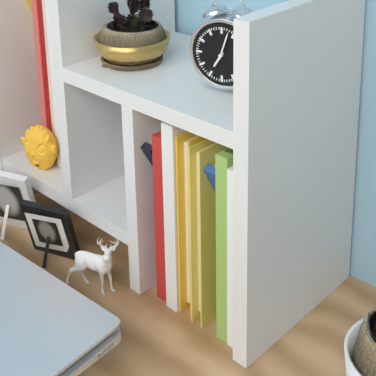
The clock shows 7:03
